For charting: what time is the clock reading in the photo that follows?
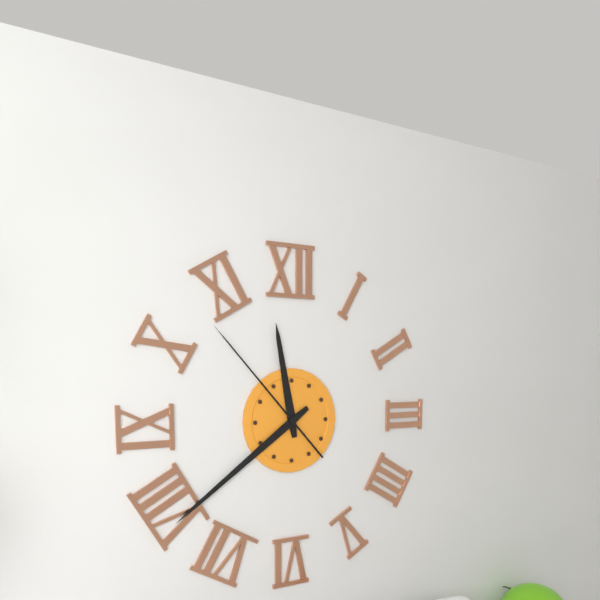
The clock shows 11:39:53
